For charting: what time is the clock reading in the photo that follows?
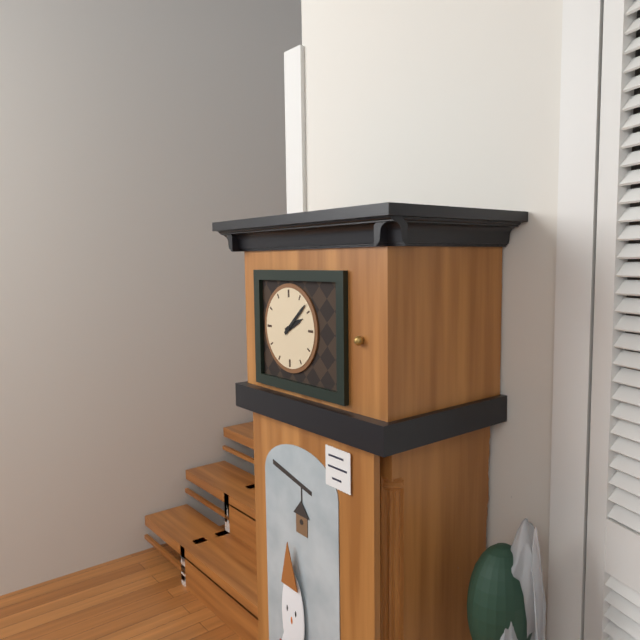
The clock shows 2:08
